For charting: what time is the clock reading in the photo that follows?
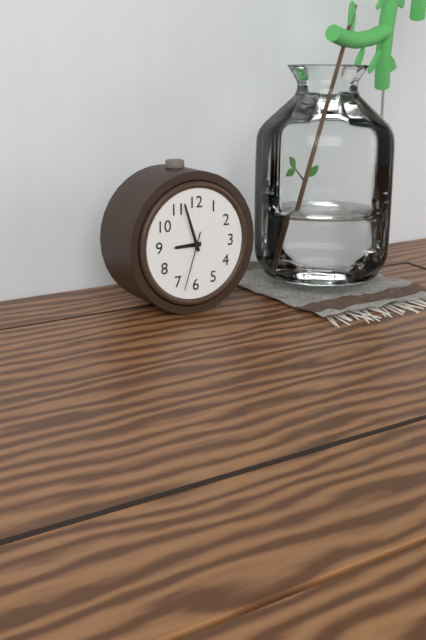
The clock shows 8:57:33
